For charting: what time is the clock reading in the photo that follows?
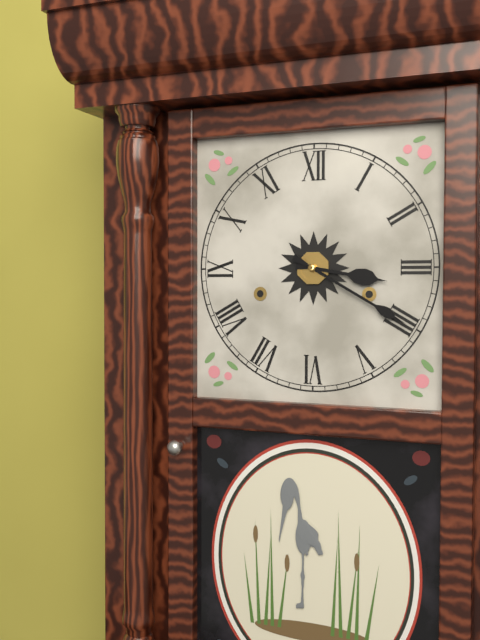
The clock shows 3:20
